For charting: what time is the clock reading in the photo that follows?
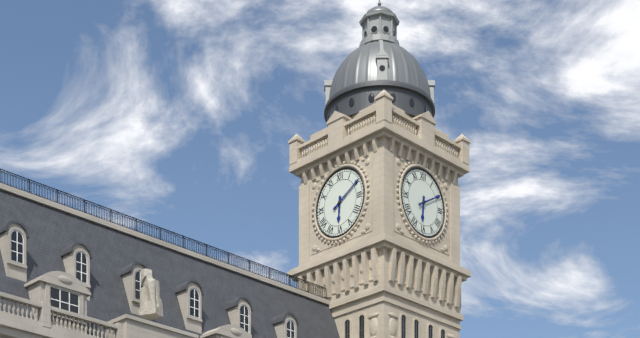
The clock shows 6:10
